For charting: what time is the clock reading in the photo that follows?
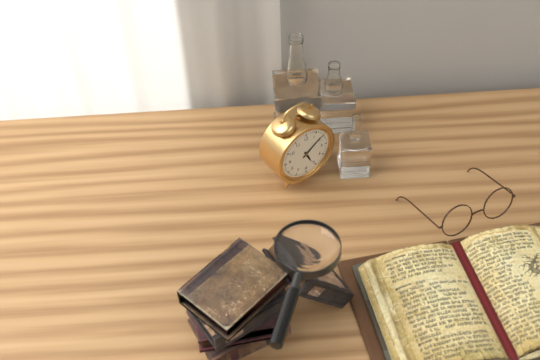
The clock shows 5:09
